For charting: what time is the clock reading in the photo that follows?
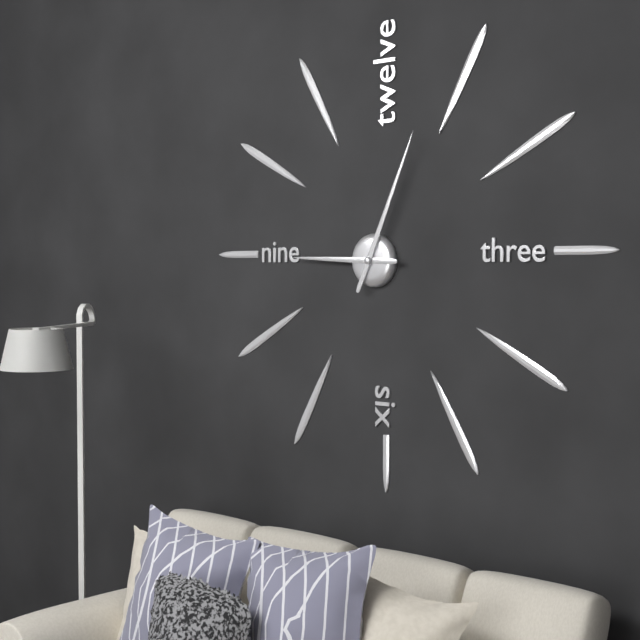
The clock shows 9:04
